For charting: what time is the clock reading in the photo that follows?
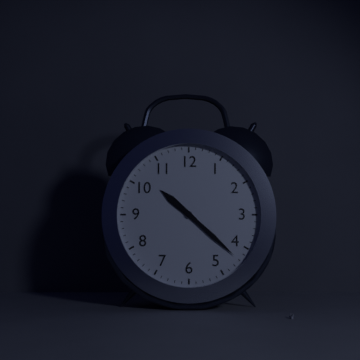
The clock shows 10:22
